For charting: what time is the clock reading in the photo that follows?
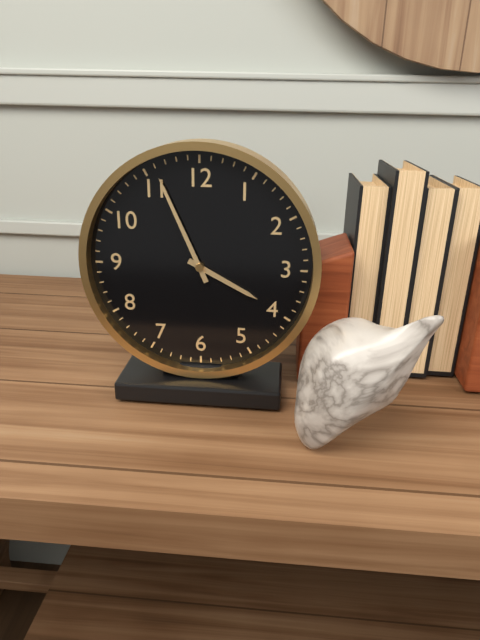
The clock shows 3:56
